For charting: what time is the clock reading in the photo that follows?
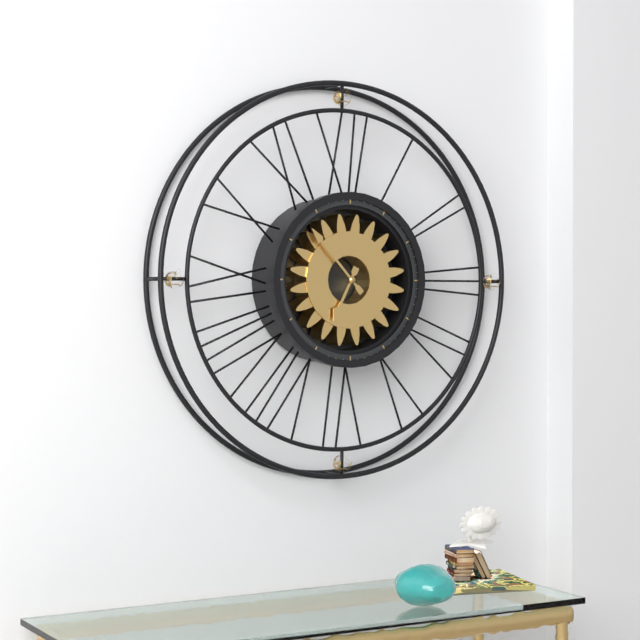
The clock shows 6:53
